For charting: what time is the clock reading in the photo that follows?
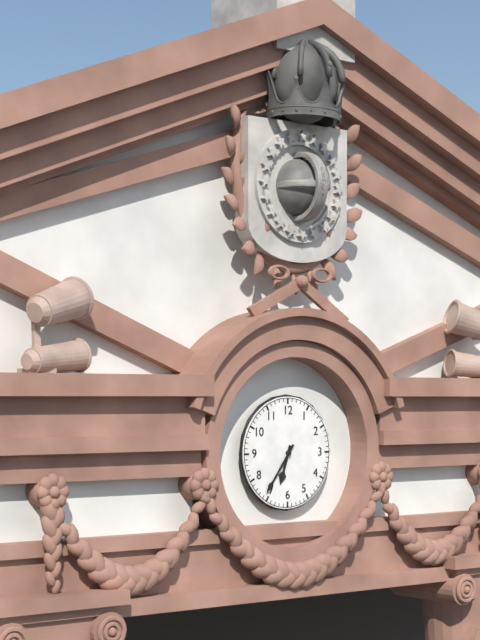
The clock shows 6:36
